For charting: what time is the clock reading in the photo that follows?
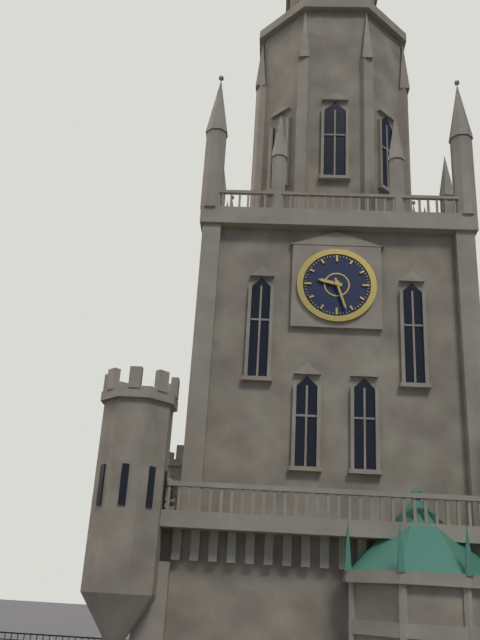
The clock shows 9:27
